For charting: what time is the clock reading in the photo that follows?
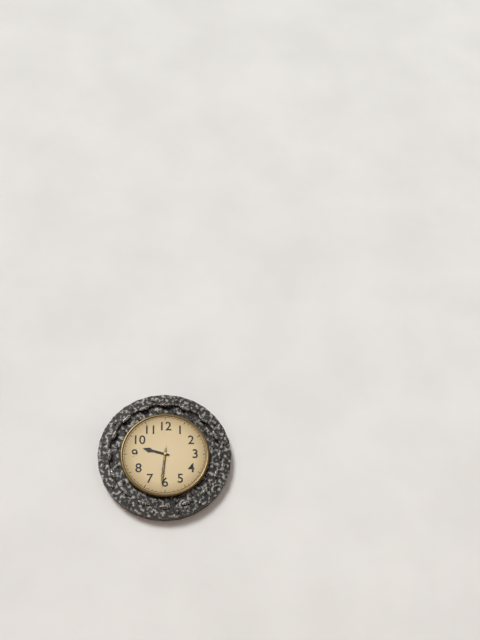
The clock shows 9:31
